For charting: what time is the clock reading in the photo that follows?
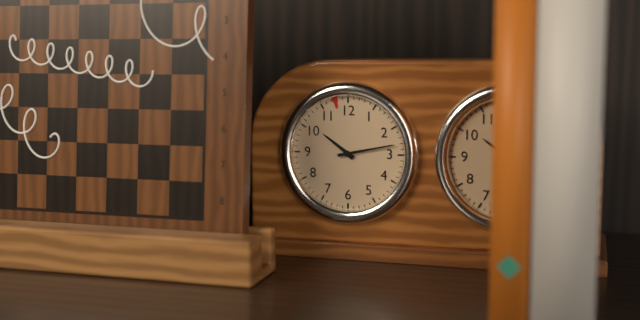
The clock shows 10:13
